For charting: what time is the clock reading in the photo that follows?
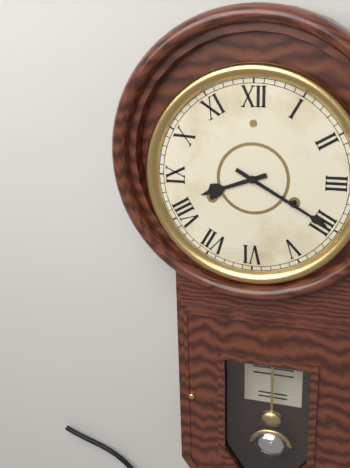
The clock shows 8:20
